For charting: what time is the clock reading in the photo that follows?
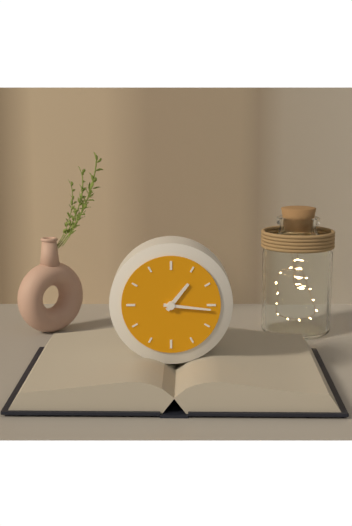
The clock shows 1:16
